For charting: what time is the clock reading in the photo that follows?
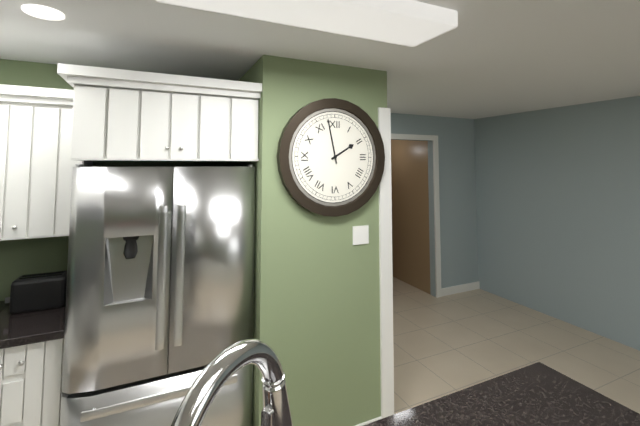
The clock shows 1:58
